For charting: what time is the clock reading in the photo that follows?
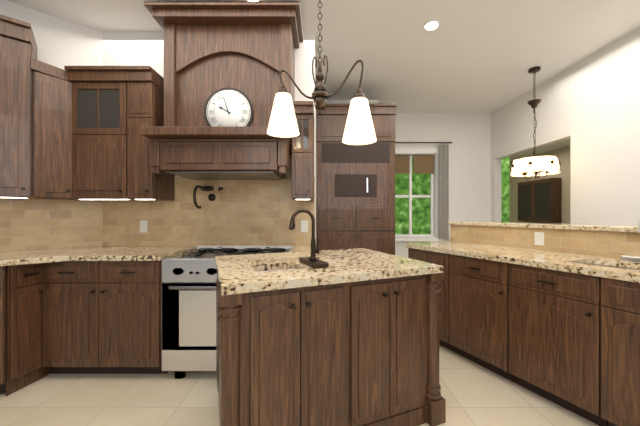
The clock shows 9:57
